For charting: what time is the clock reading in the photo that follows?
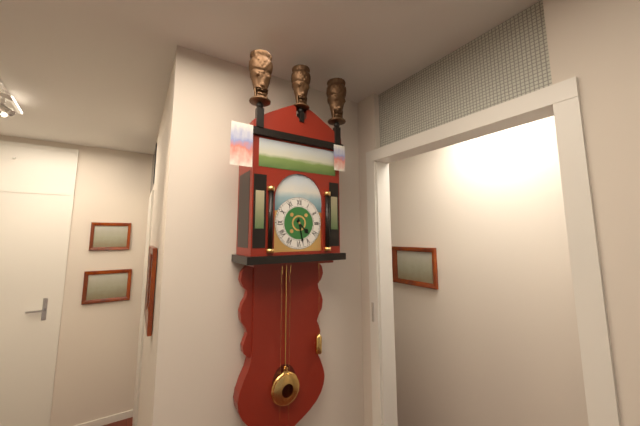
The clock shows 4:28
